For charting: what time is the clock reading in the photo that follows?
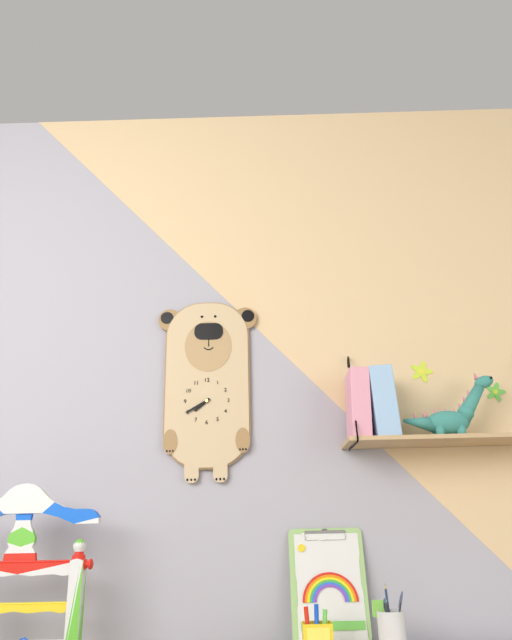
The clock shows 7:40
